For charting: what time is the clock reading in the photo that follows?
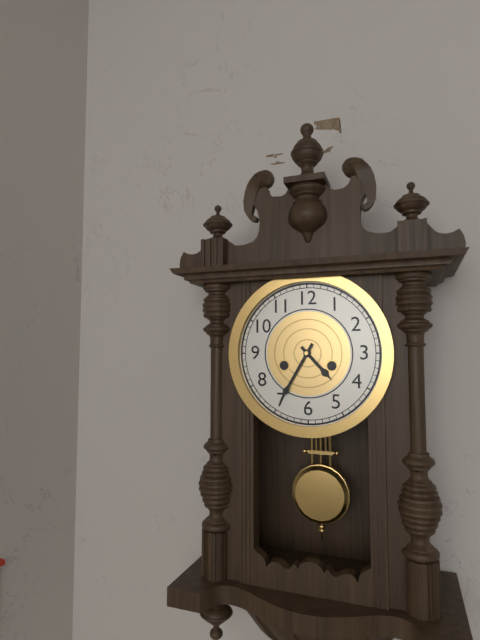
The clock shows 4:35
